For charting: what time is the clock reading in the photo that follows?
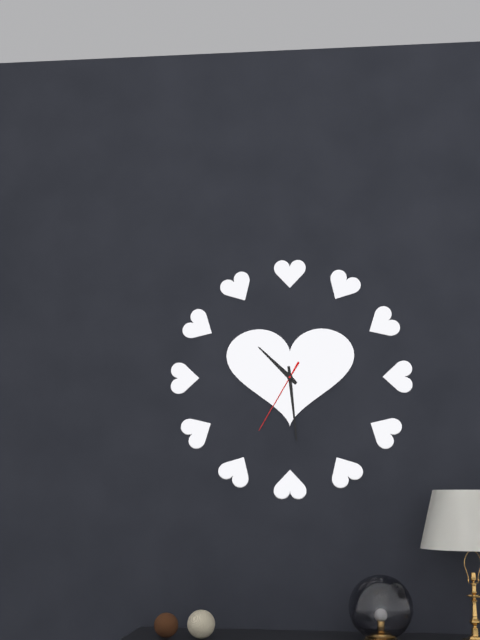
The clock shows 10:29:35
